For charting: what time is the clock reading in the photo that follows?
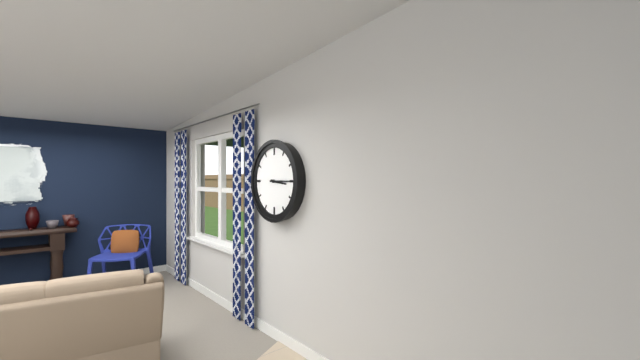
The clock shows 3:15
